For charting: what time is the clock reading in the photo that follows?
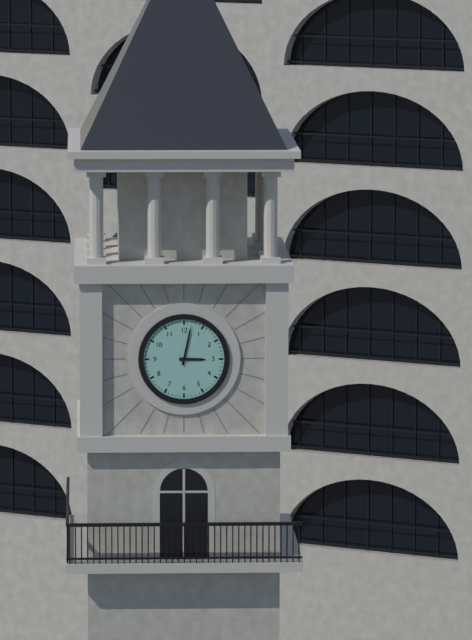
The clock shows 3:02
